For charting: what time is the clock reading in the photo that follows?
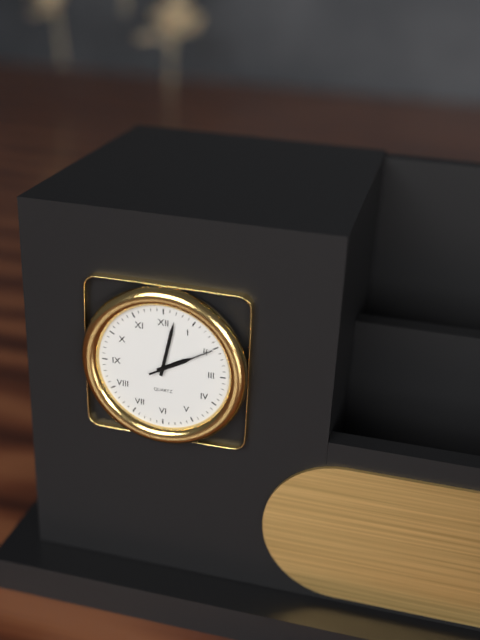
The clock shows 2:02:10
